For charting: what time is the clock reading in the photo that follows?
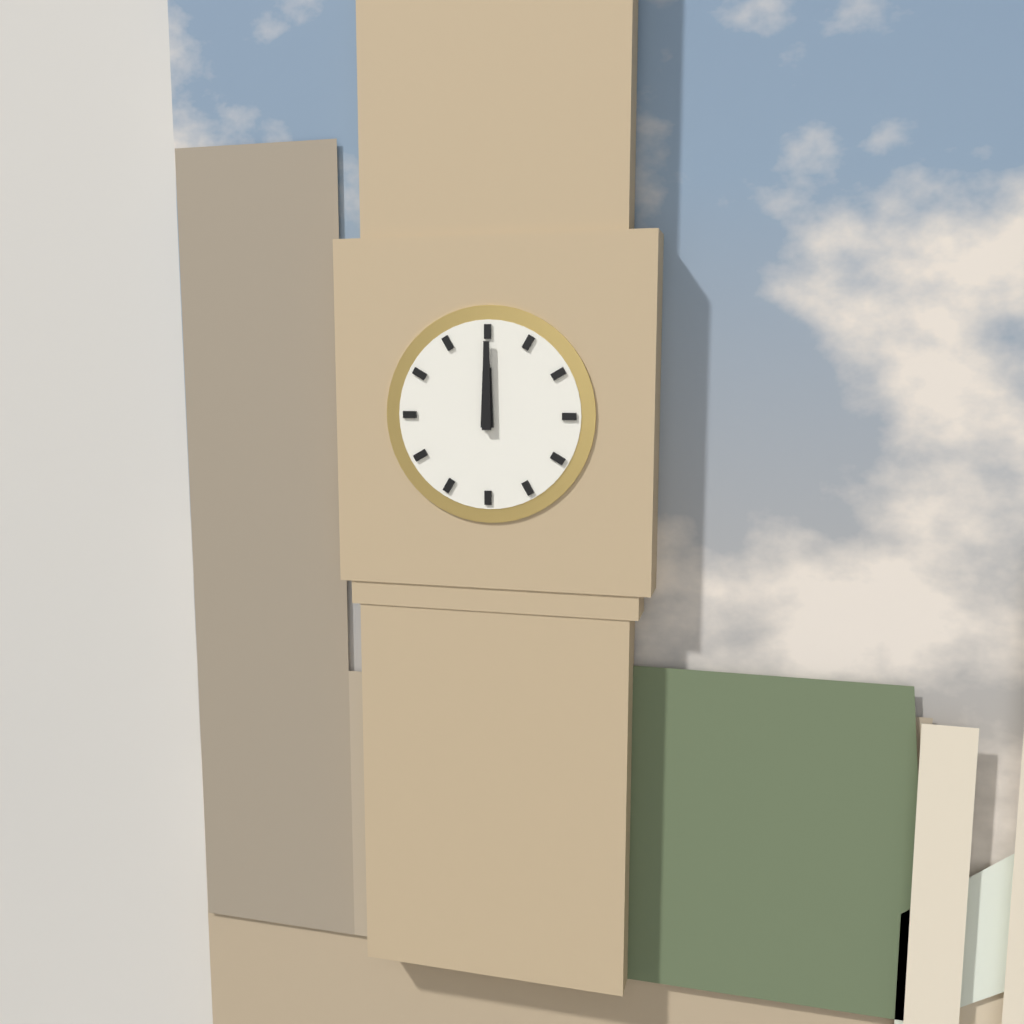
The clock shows 12:00
